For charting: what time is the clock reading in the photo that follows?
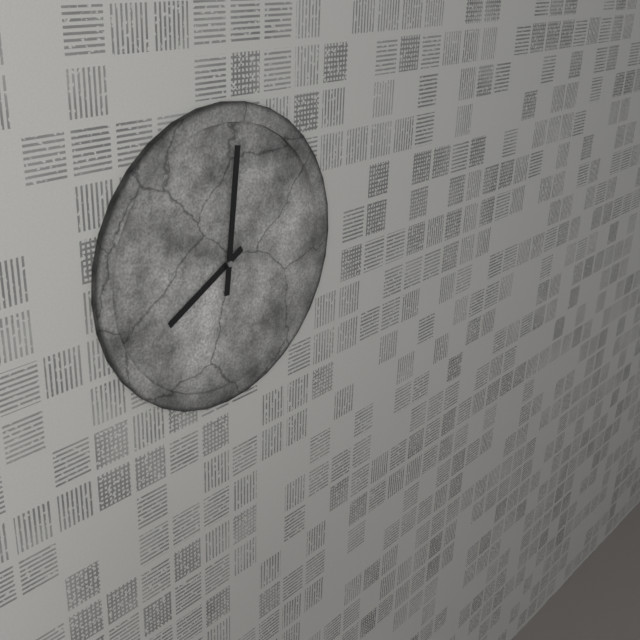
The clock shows 8:01
